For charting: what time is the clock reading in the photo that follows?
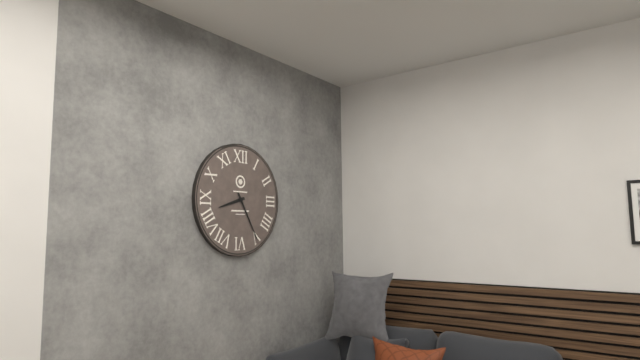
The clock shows 8:25
